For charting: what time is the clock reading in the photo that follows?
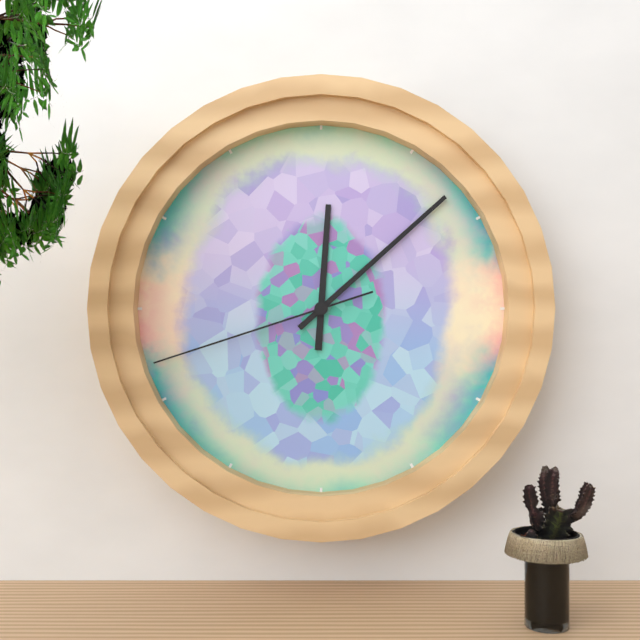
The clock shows 12:08:42
